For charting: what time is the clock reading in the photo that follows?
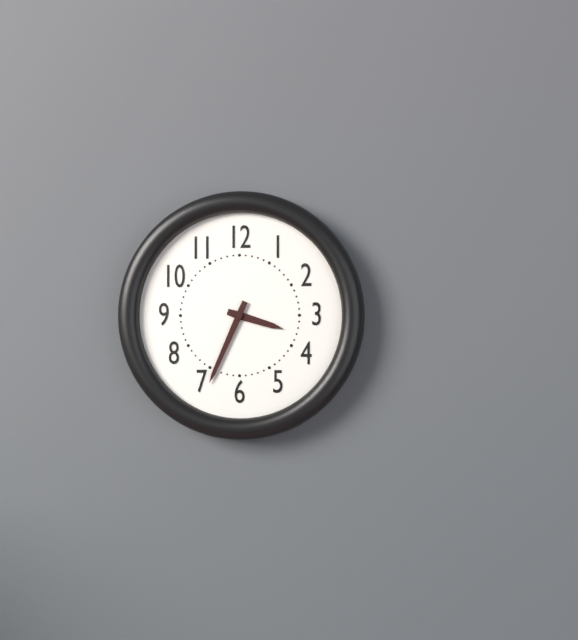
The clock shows 3:34
